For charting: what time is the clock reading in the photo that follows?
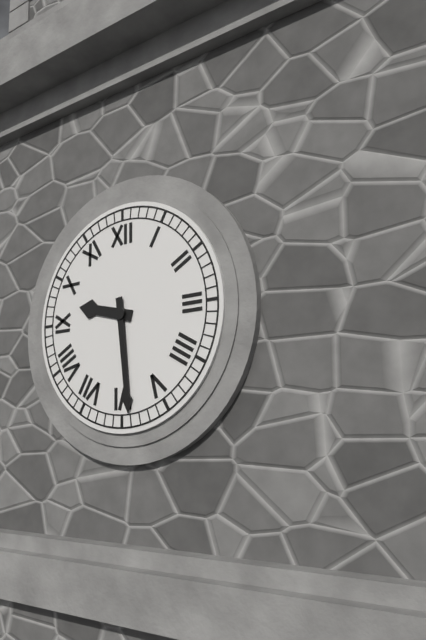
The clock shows 9:29
